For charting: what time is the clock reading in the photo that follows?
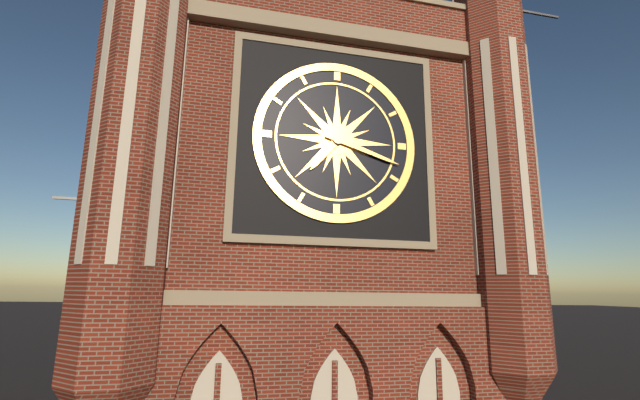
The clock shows 7:18
